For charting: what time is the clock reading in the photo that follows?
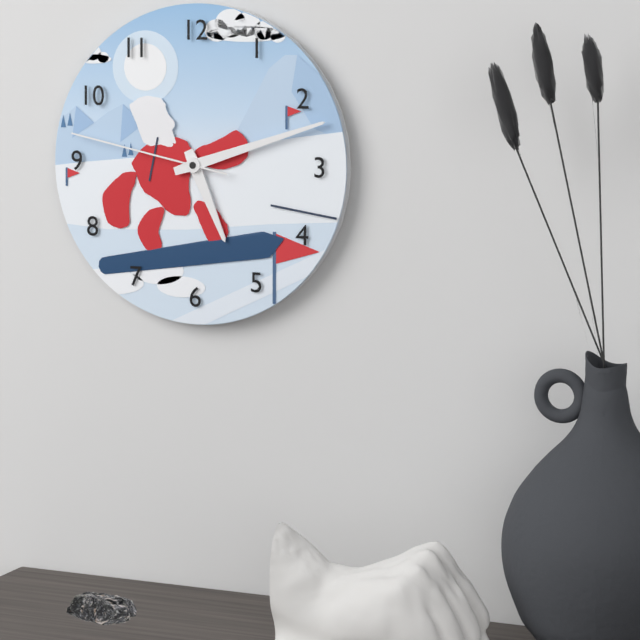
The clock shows 5:12:47
